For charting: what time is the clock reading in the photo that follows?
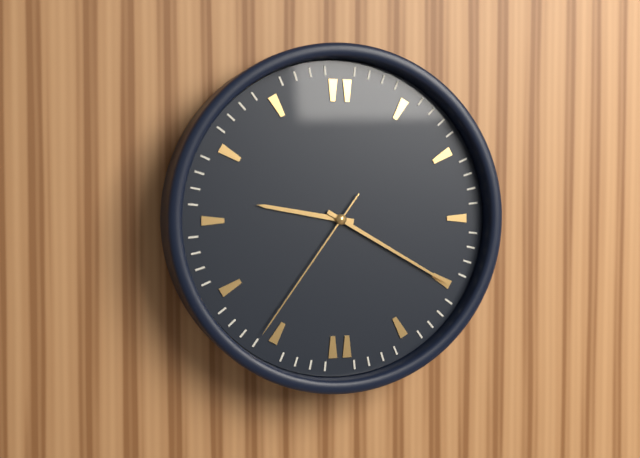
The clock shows 9:20:36
